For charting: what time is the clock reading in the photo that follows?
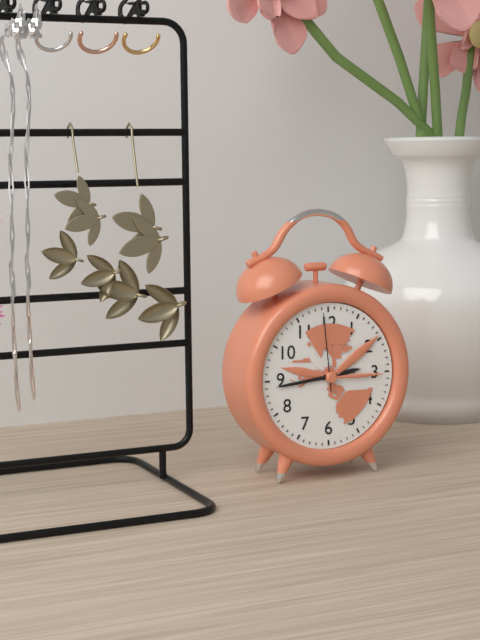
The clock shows 2:44:59
